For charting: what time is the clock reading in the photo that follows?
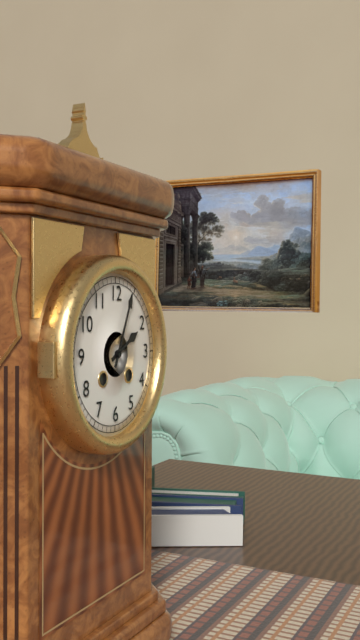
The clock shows 2:04
